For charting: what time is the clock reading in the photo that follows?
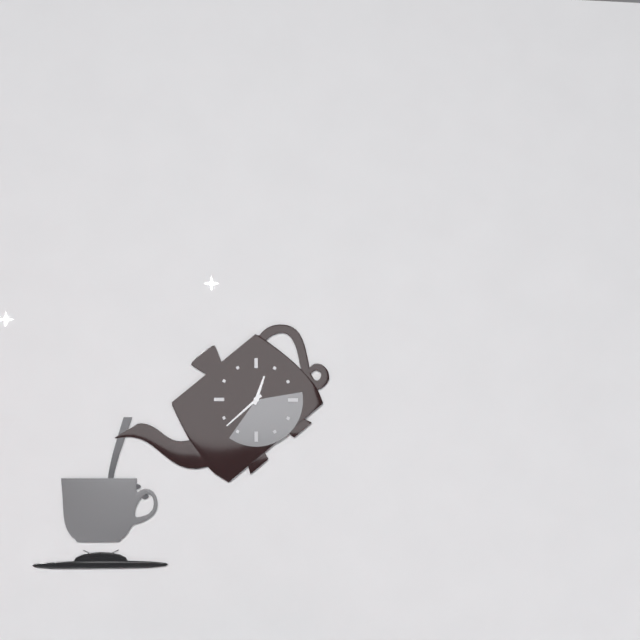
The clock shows 12:38
